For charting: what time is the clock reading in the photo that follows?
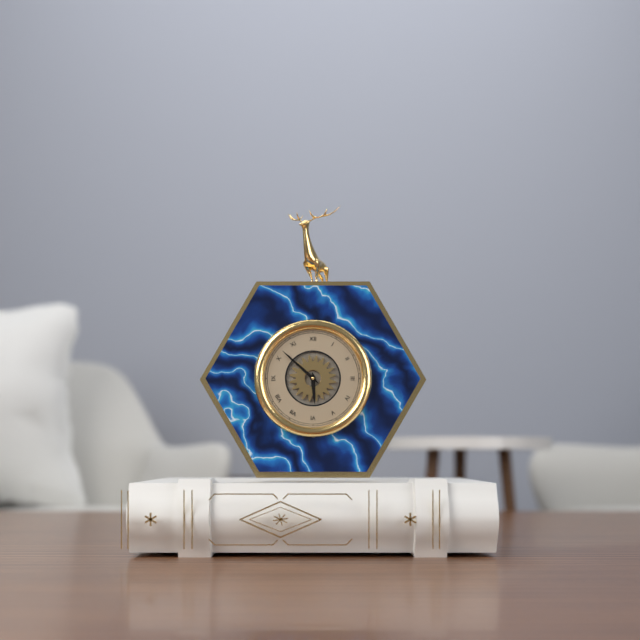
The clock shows 5:52
